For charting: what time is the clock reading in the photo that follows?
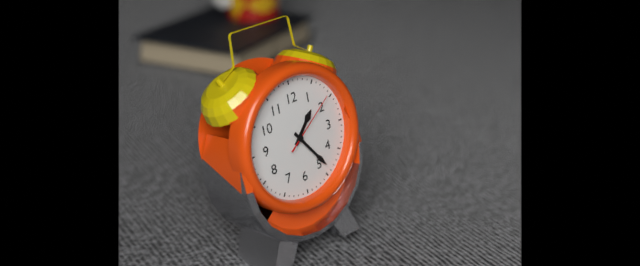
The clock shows 1:24:09
